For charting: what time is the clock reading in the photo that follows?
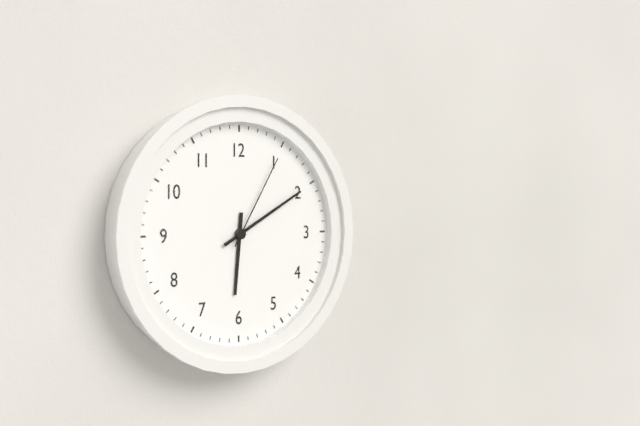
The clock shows 6:10:05
